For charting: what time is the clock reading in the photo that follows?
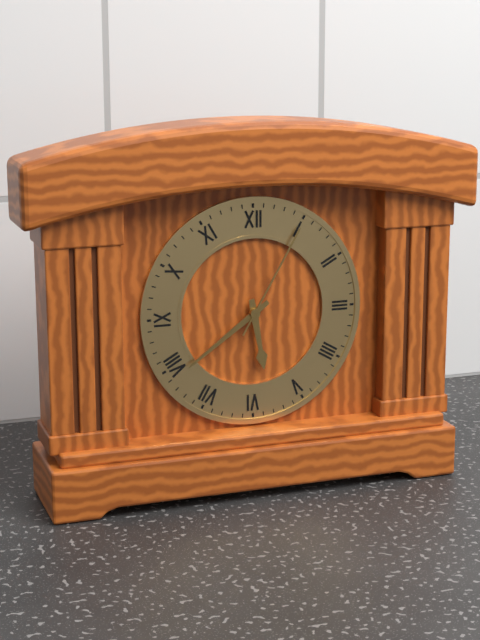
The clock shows 5:39:05
